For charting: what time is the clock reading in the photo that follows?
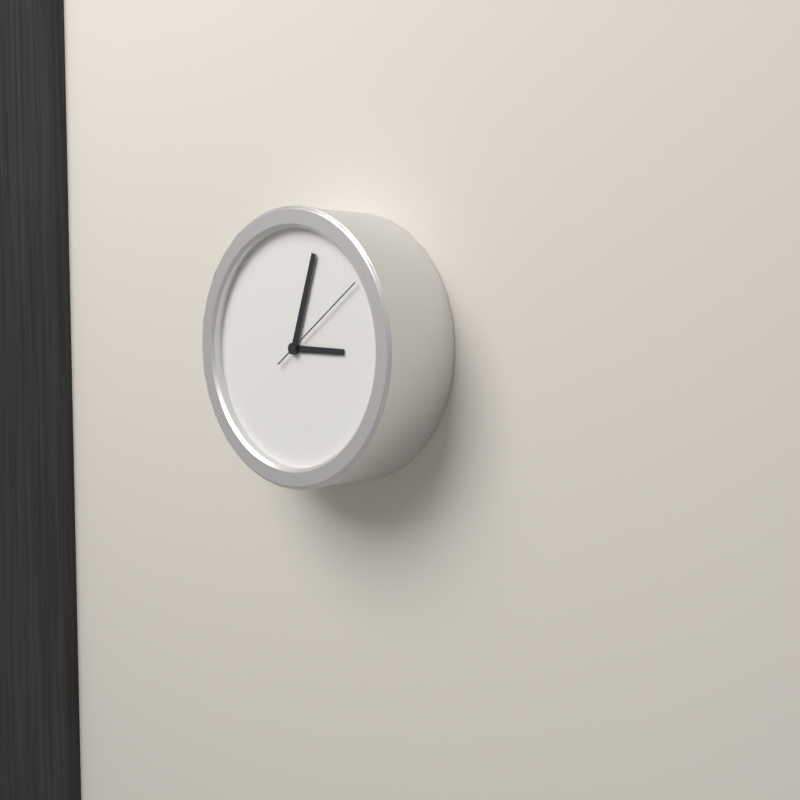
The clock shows 3:03:09
